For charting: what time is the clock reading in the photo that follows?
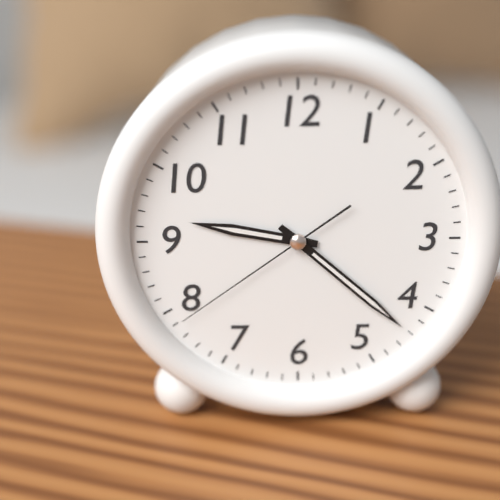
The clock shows 9:22:39
